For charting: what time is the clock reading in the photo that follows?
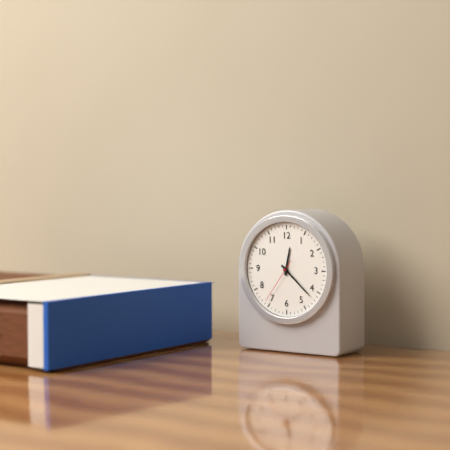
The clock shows 12:22
